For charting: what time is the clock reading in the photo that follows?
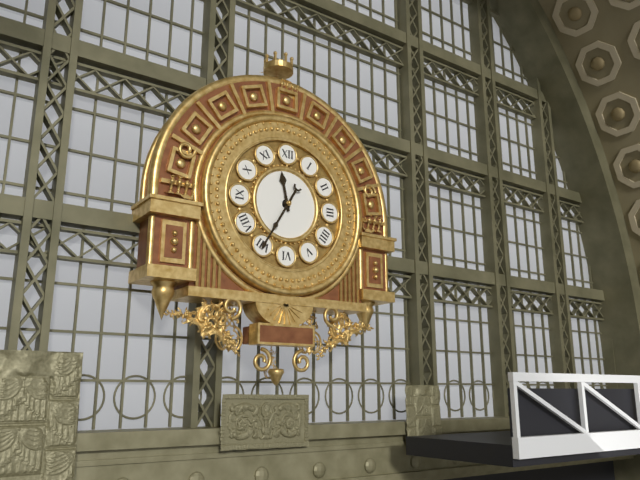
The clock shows 11:35
